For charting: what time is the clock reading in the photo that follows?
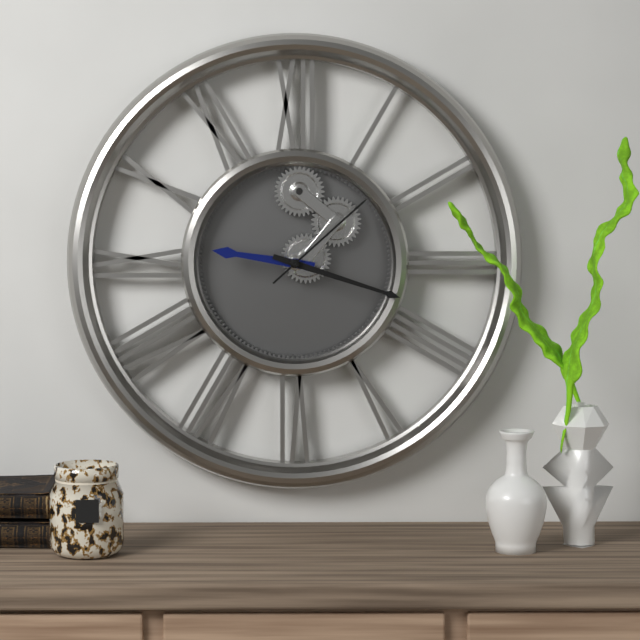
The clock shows 9:18:08
